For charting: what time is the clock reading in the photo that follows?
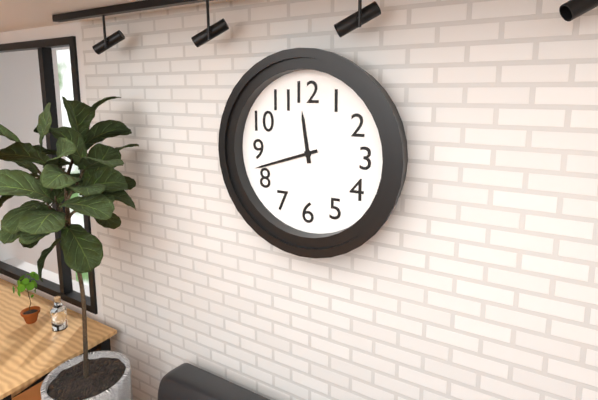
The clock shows 11:42
